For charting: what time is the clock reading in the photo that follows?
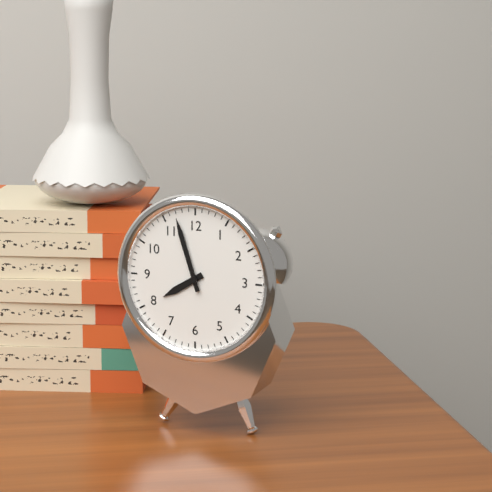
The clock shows 7:57
